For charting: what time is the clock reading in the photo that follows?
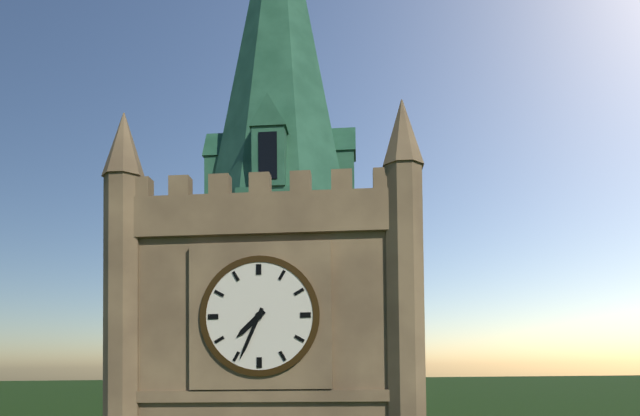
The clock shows 7:34
